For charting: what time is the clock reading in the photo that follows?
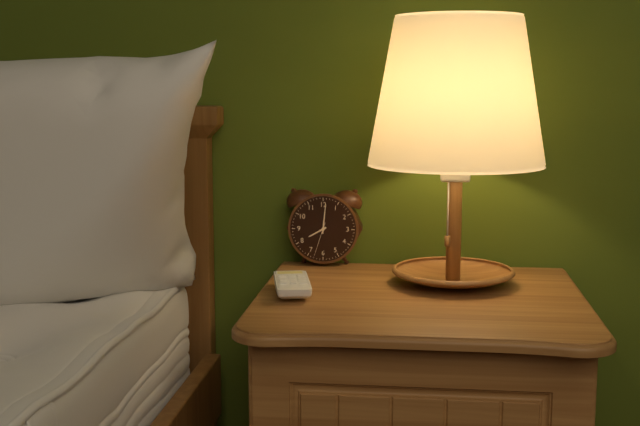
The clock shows 8:01
